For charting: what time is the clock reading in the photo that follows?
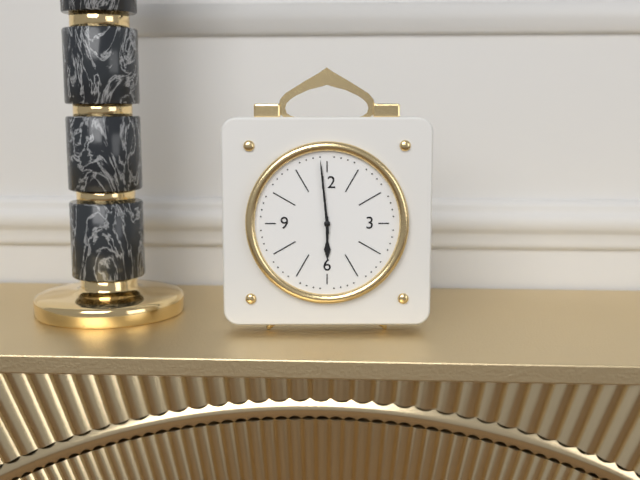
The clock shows 5:59
